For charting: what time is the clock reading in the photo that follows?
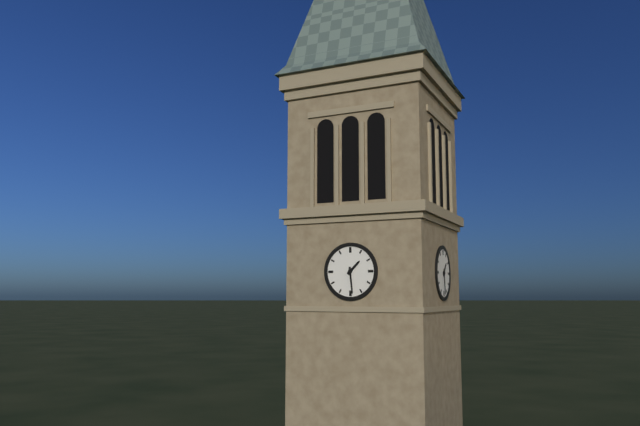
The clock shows 1:29
